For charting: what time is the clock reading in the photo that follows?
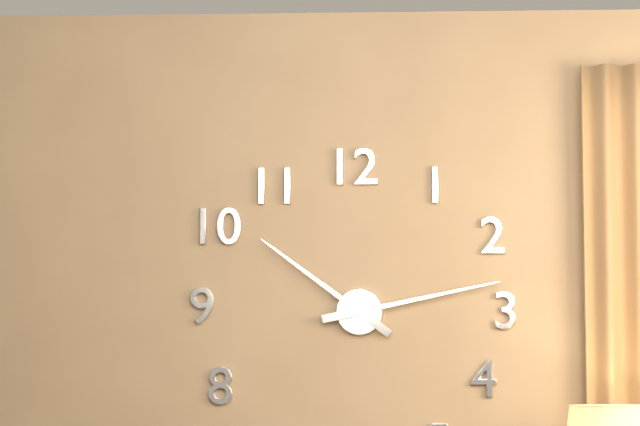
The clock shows 10:13
